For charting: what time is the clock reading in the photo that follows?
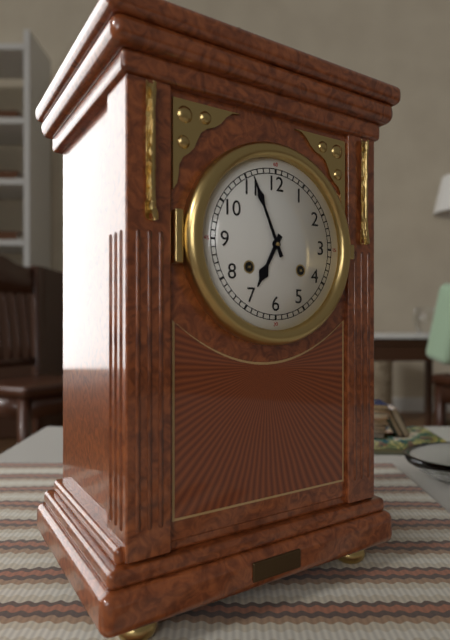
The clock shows 6:56
